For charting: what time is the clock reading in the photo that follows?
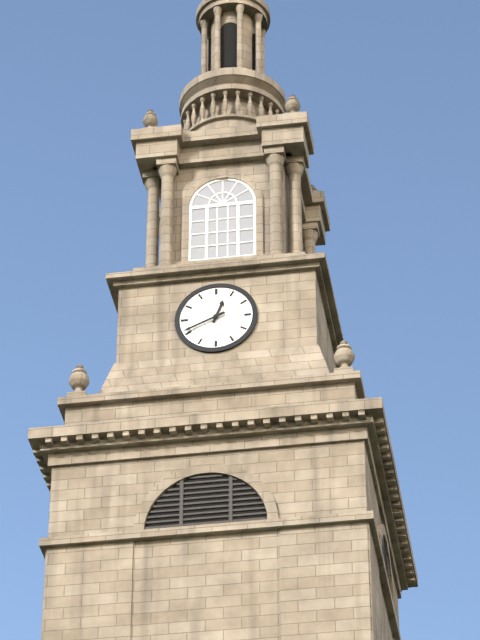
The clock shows 12:41
